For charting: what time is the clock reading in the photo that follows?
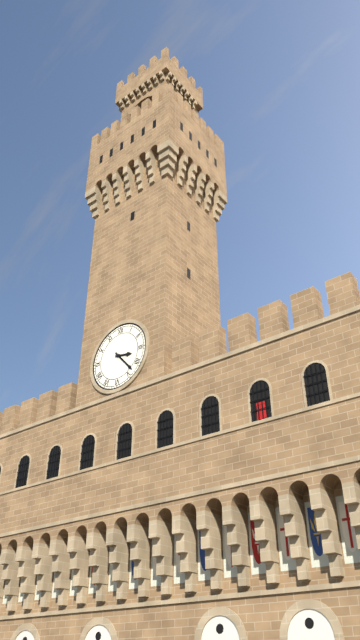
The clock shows 3:23
